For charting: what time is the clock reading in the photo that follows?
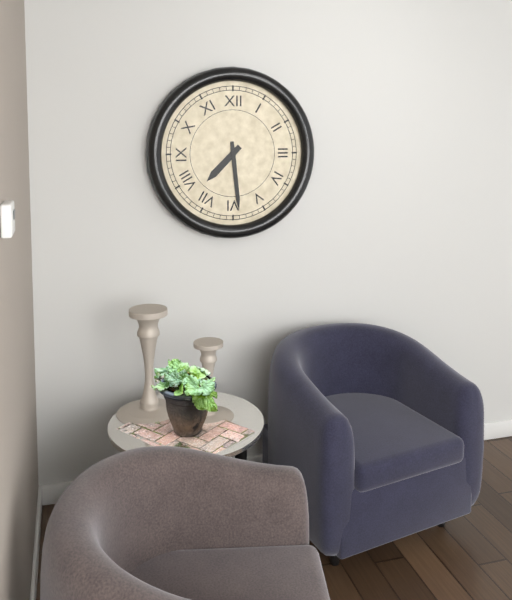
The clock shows 7:29
